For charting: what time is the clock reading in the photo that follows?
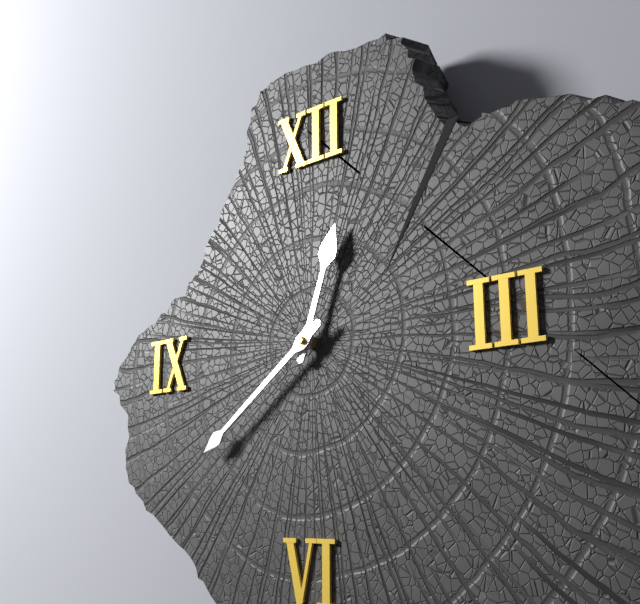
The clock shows 12:39
